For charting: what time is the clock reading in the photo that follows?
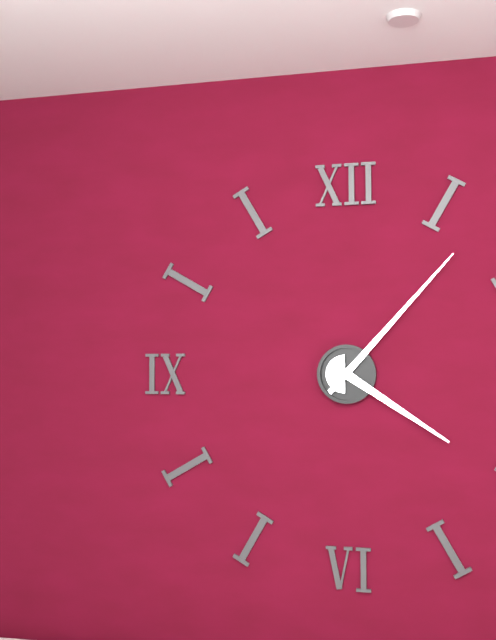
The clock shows 4:07
